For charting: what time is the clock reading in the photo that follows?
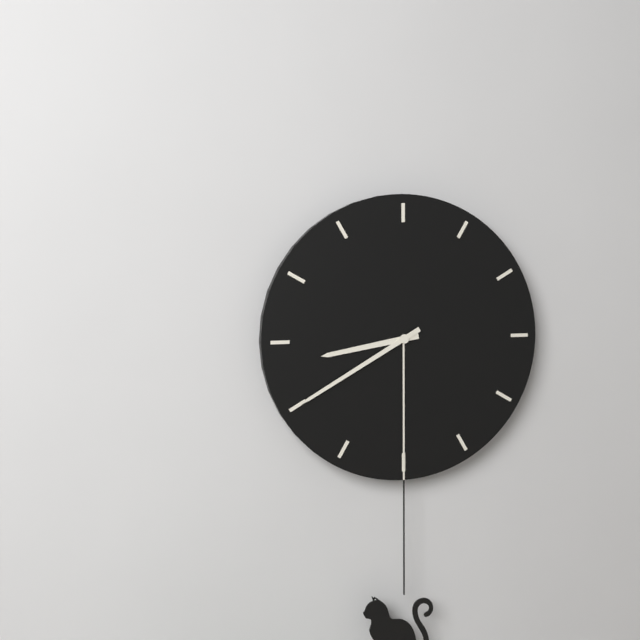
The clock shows 8:40
